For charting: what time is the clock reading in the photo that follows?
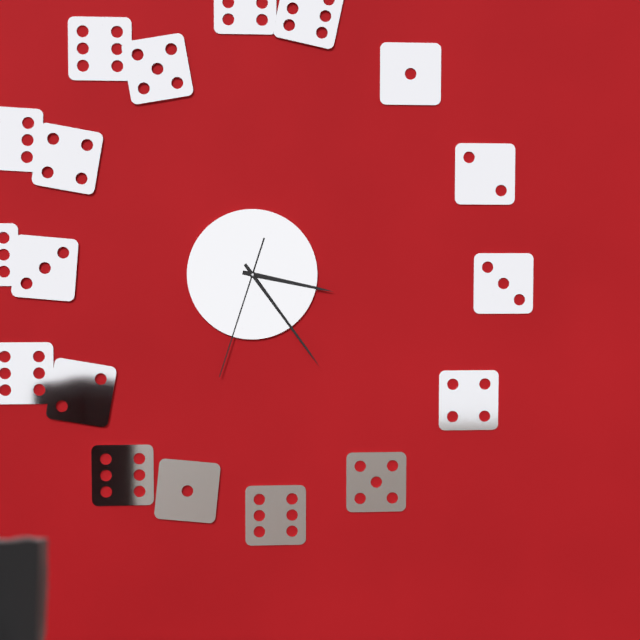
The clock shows 3:24:33
